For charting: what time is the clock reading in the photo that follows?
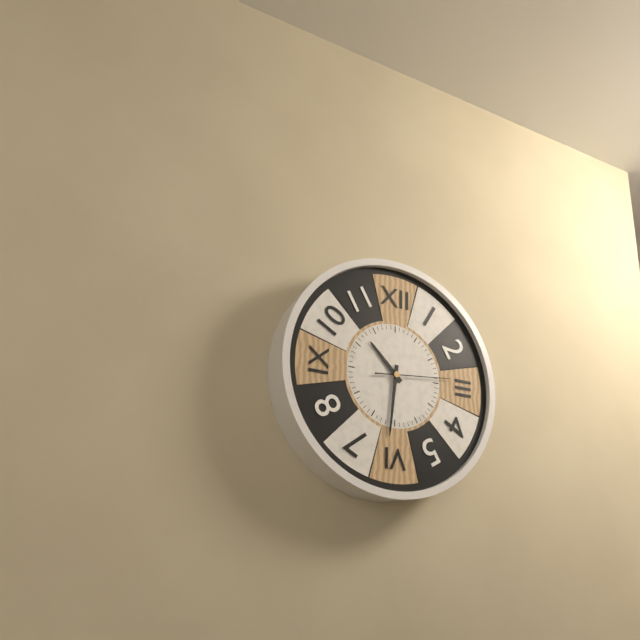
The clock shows 10:31:14
